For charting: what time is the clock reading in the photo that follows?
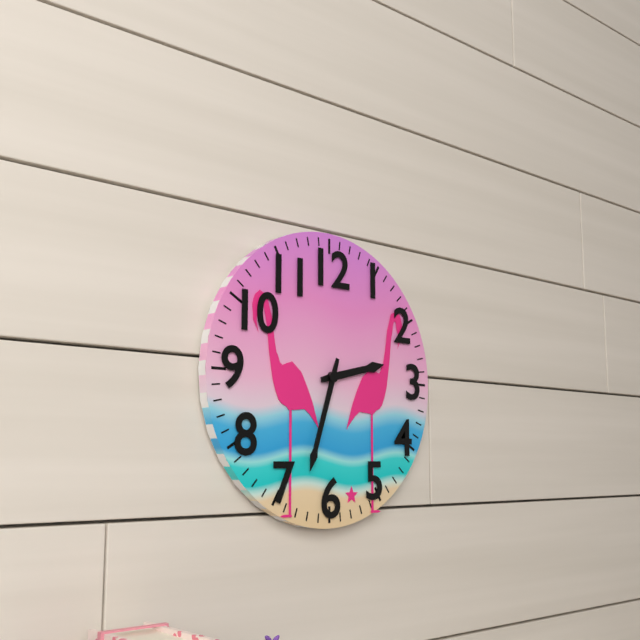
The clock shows 2:33
